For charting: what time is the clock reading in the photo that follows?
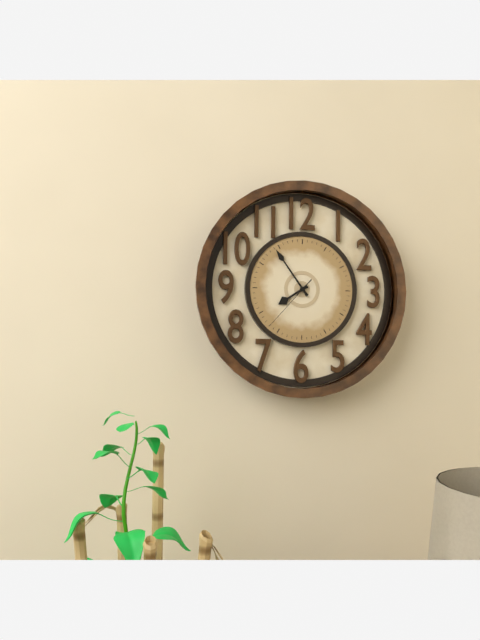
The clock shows 7:54:37
